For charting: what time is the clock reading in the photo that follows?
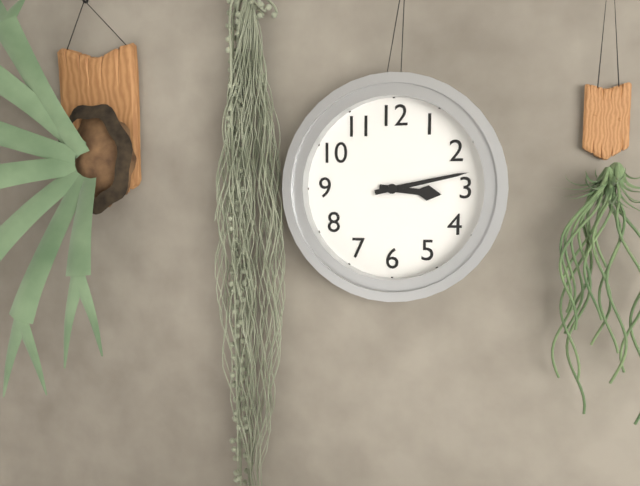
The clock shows 3:13
